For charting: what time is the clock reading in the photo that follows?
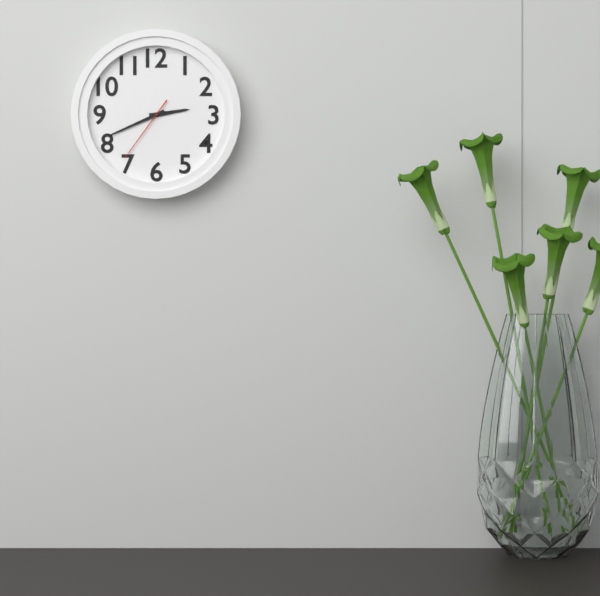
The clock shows 2:41:36
